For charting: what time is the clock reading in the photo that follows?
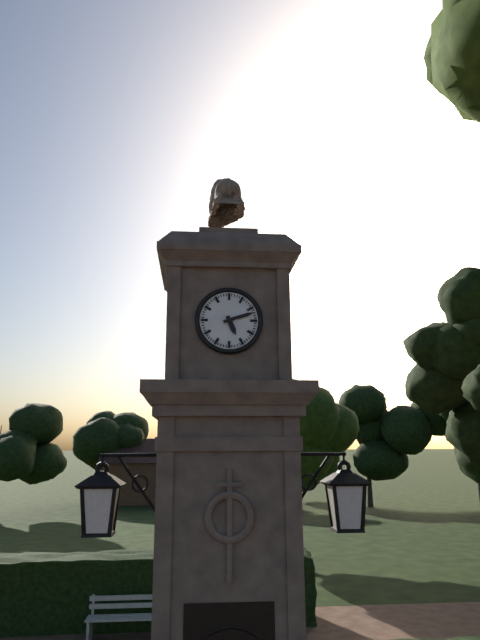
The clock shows 5:12
